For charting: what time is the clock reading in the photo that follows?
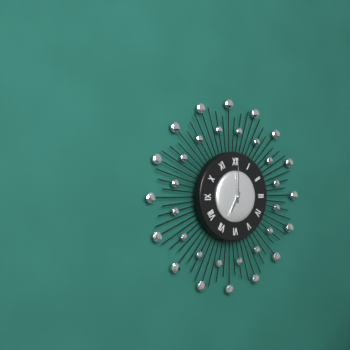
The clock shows 7:00
